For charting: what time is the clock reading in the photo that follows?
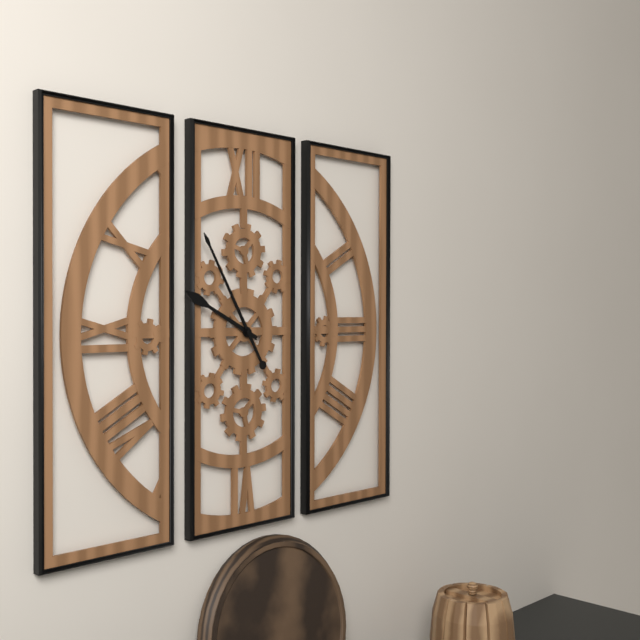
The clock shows 9:55
